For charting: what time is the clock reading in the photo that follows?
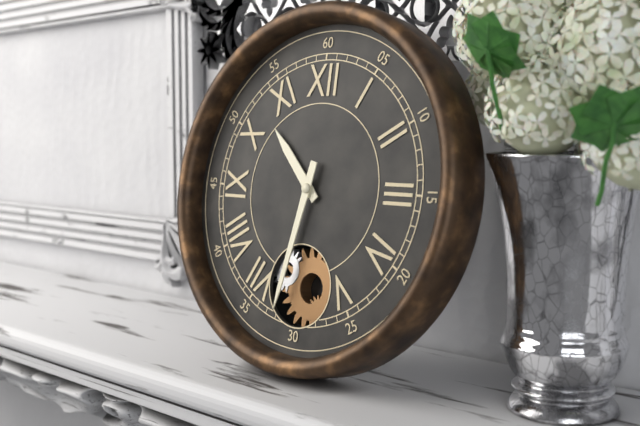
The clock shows 10:32
